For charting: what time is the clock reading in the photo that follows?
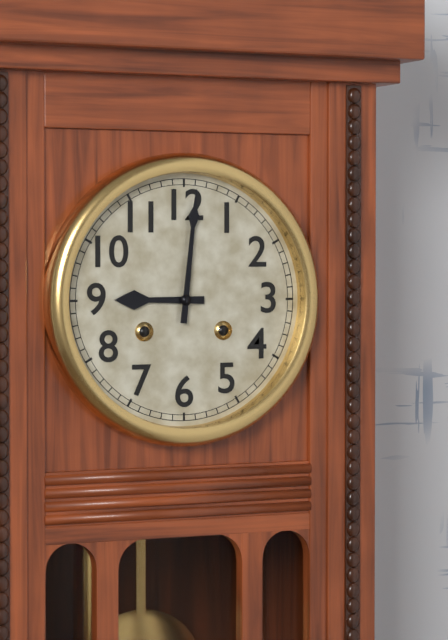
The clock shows 9:01
